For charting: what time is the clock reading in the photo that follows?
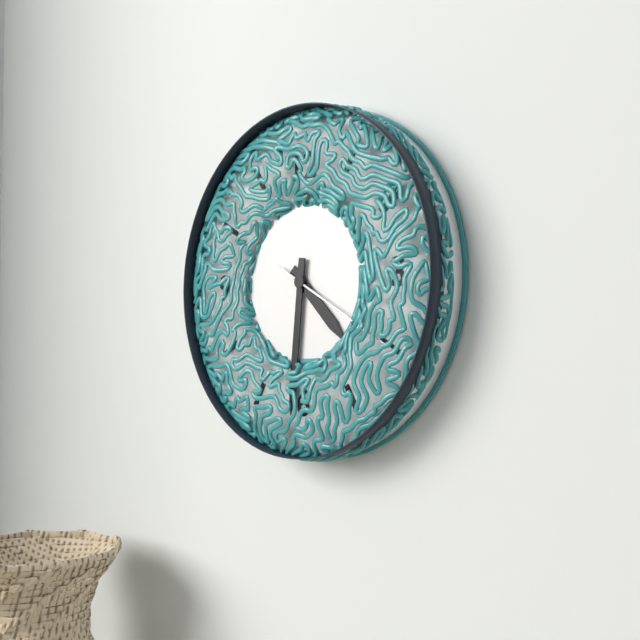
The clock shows 4:31:20
